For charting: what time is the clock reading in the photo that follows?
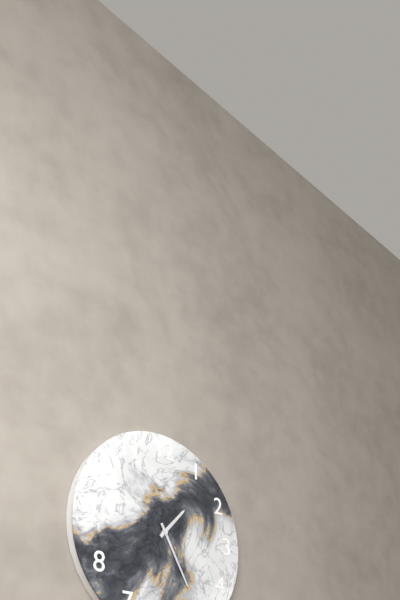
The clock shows 1:25
